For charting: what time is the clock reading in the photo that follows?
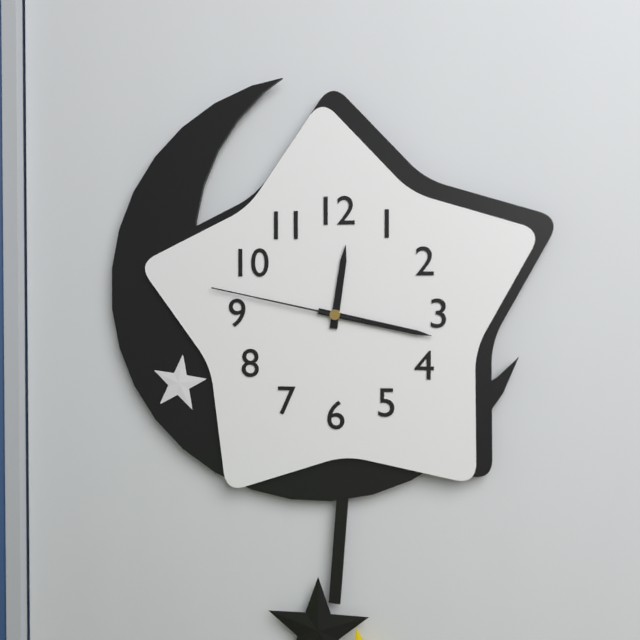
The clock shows 12:17:47
